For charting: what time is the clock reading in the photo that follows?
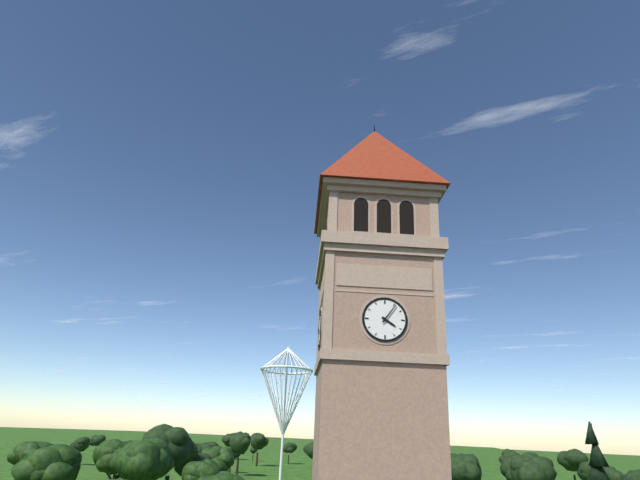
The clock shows 4:06
